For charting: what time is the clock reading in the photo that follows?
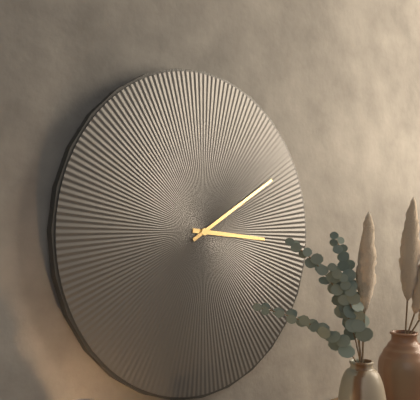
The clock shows 3:10
